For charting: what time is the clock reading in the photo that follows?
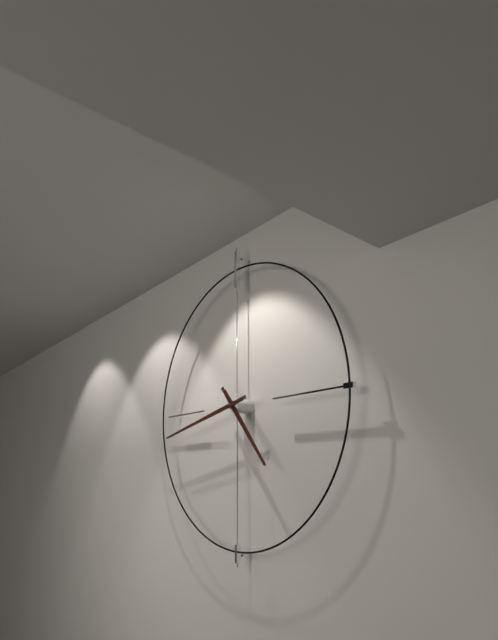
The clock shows 4:43
